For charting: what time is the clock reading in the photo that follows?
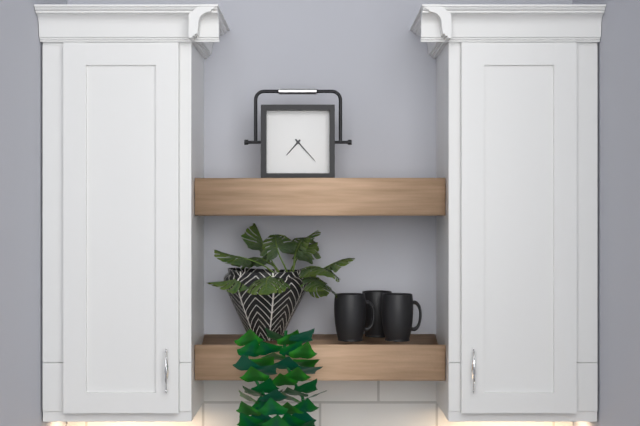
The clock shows 7:23
